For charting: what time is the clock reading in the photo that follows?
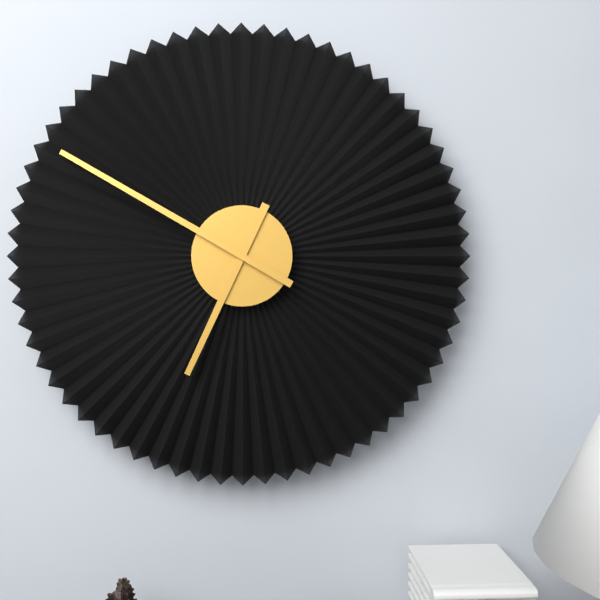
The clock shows 6:50
